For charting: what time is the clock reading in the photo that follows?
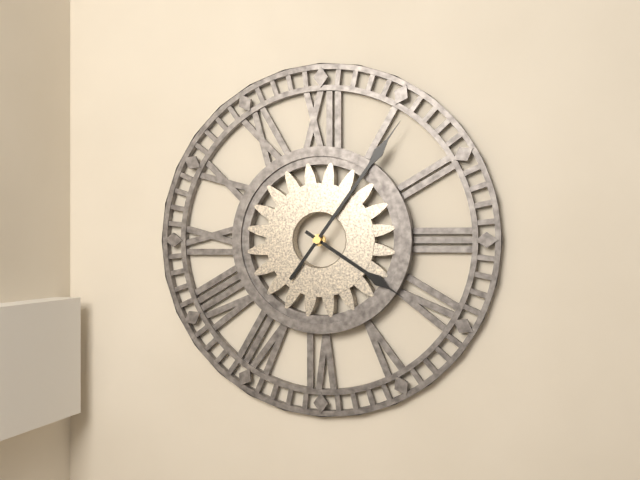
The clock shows 4:06
